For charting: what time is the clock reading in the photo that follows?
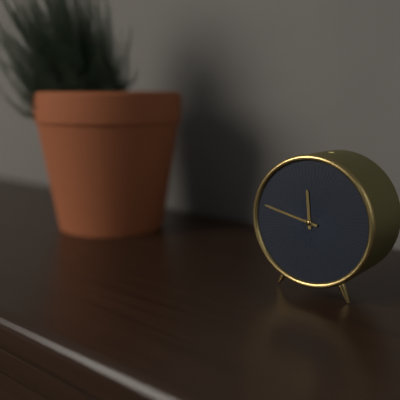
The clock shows 11:47
